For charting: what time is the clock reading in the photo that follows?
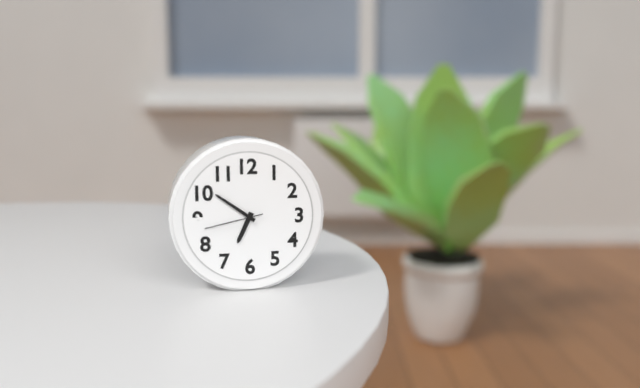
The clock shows 6:51:43
